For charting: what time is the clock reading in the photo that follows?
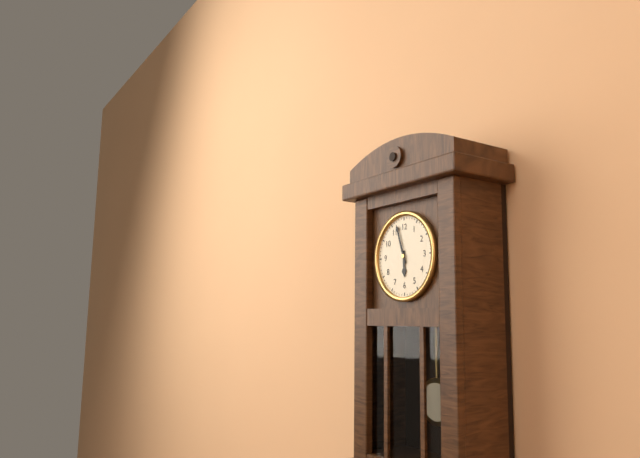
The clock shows 5:57
